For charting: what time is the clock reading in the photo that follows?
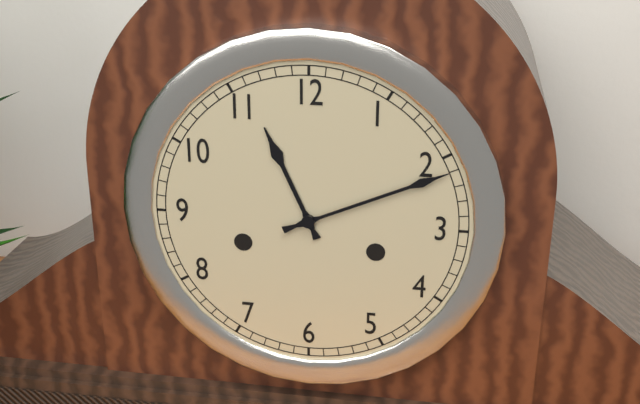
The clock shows 11:11
